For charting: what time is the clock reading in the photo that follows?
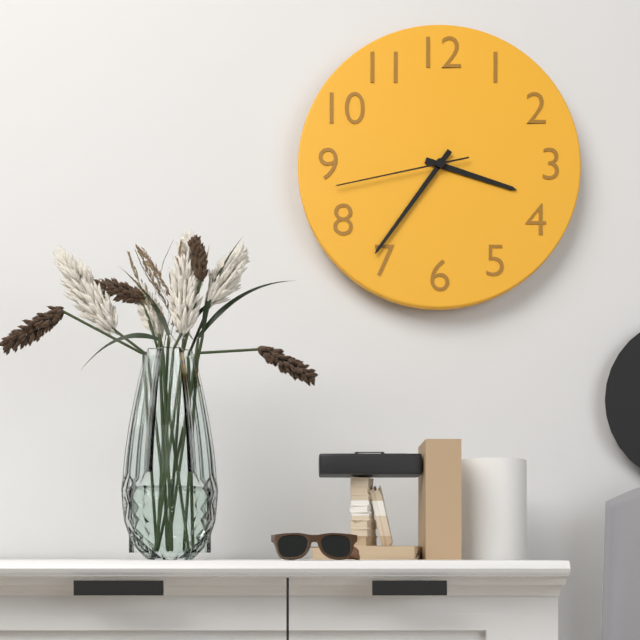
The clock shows 3:36:43
